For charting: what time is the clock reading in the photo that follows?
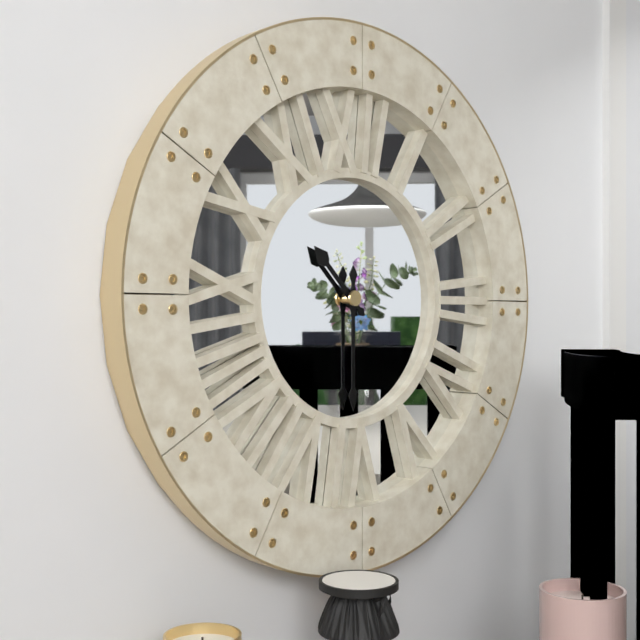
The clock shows 10:30
